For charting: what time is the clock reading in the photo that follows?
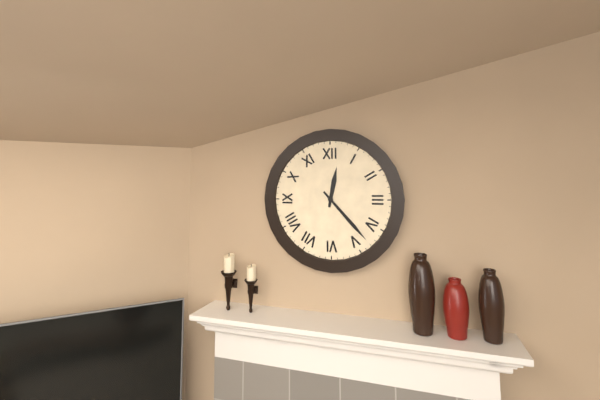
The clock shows 12:23
